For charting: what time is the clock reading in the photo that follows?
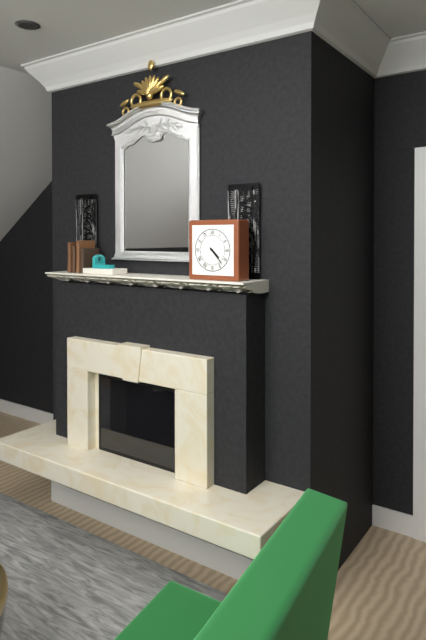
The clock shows 4:23
